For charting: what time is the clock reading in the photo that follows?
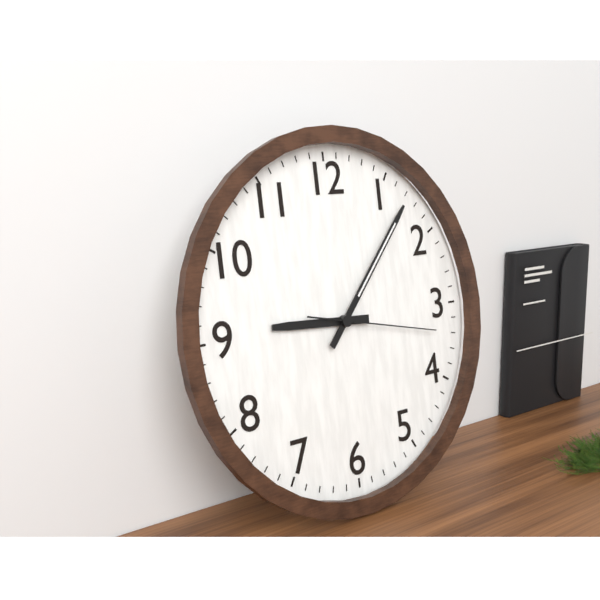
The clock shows 9:07:17
